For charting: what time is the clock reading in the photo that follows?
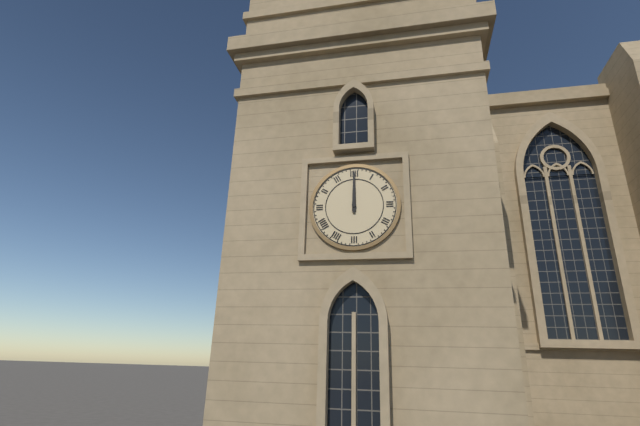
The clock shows 12:00
